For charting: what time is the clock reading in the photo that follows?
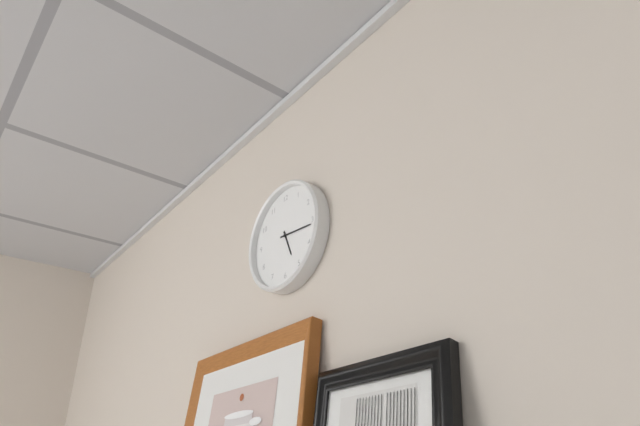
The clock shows 5:16
